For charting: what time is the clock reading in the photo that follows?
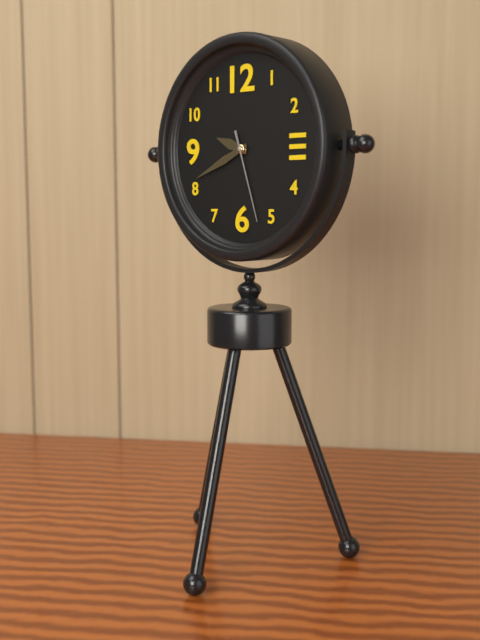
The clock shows 9:41:27
